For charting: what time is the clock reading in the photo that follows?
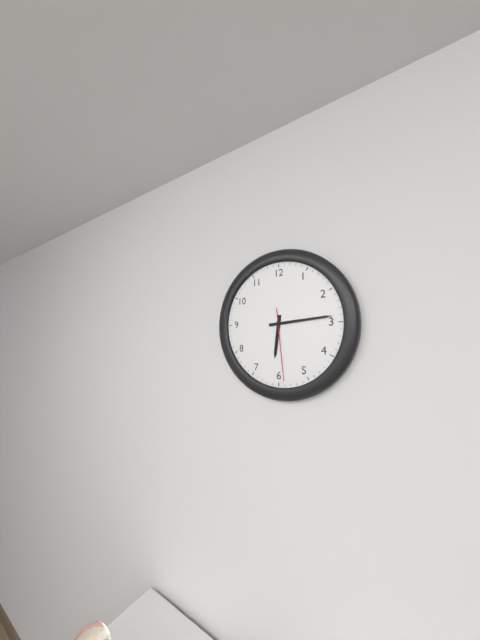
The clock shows 6:14:29
